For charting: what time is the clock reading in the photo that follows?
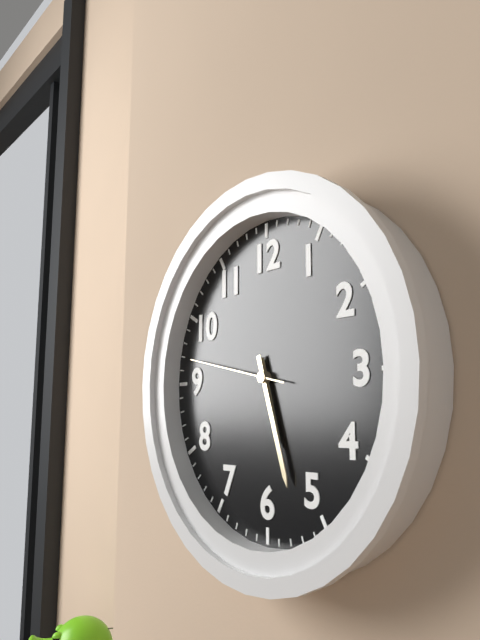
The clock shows 5:27:47
